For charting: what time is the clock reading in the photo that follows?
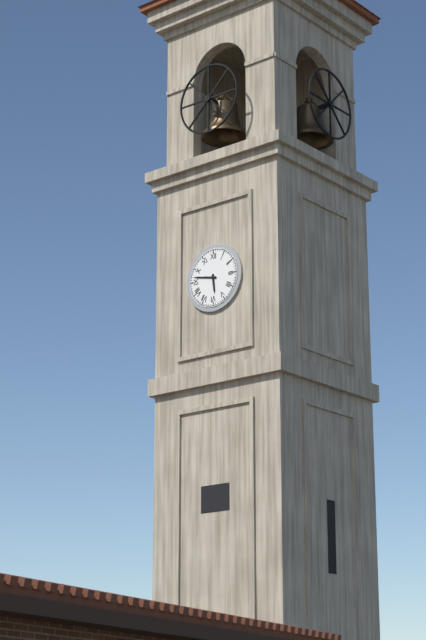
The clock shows 5:47
